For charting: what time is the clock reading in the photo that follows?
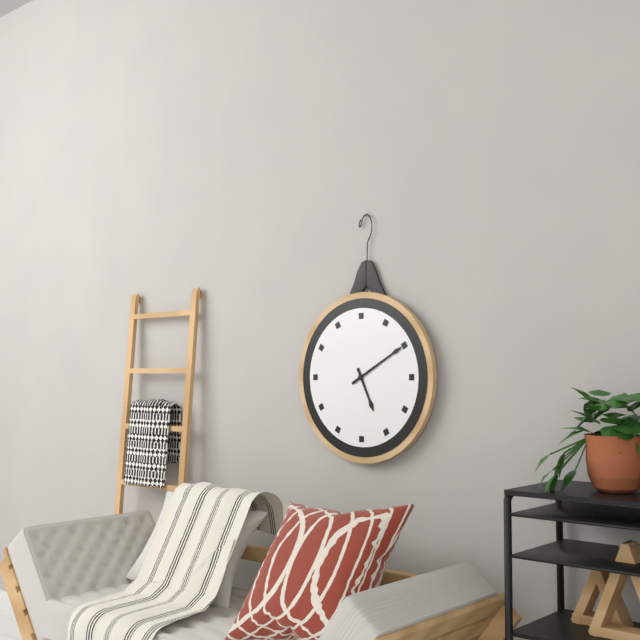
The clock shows 5:10
